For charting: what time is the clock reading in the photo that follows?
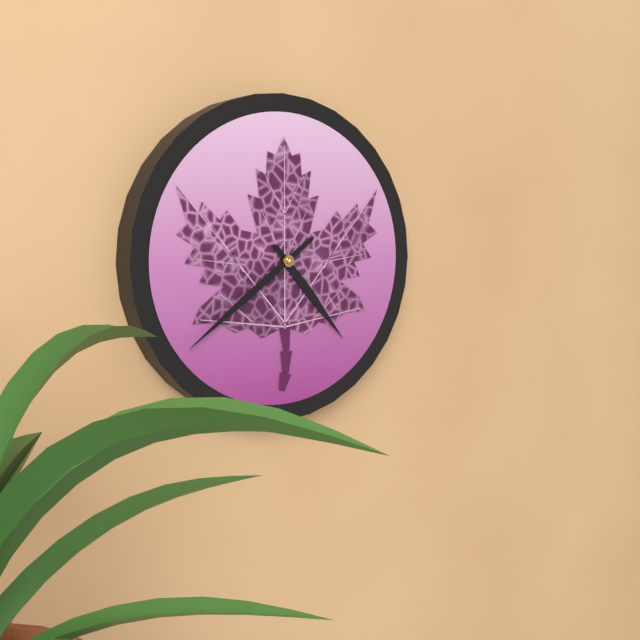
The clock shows 4:39
